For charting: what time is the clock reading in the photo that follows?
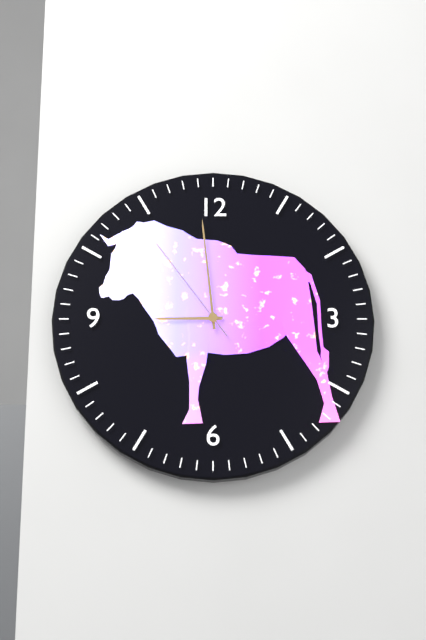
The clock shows 8:59:54
